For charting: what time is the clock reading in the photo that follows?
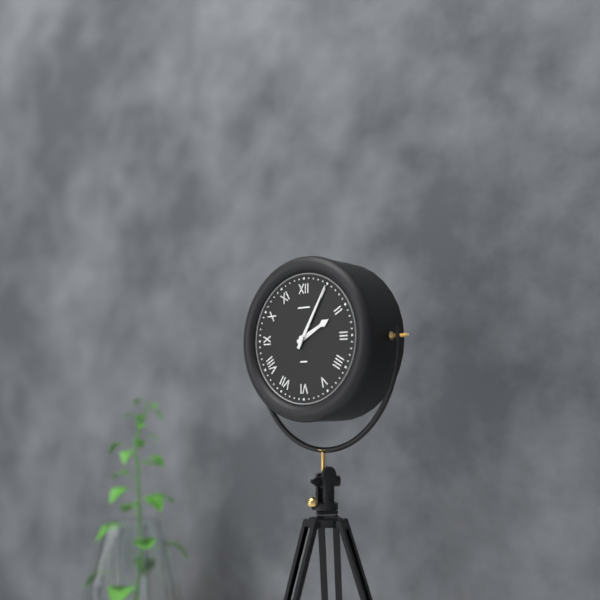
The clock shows 2:05
